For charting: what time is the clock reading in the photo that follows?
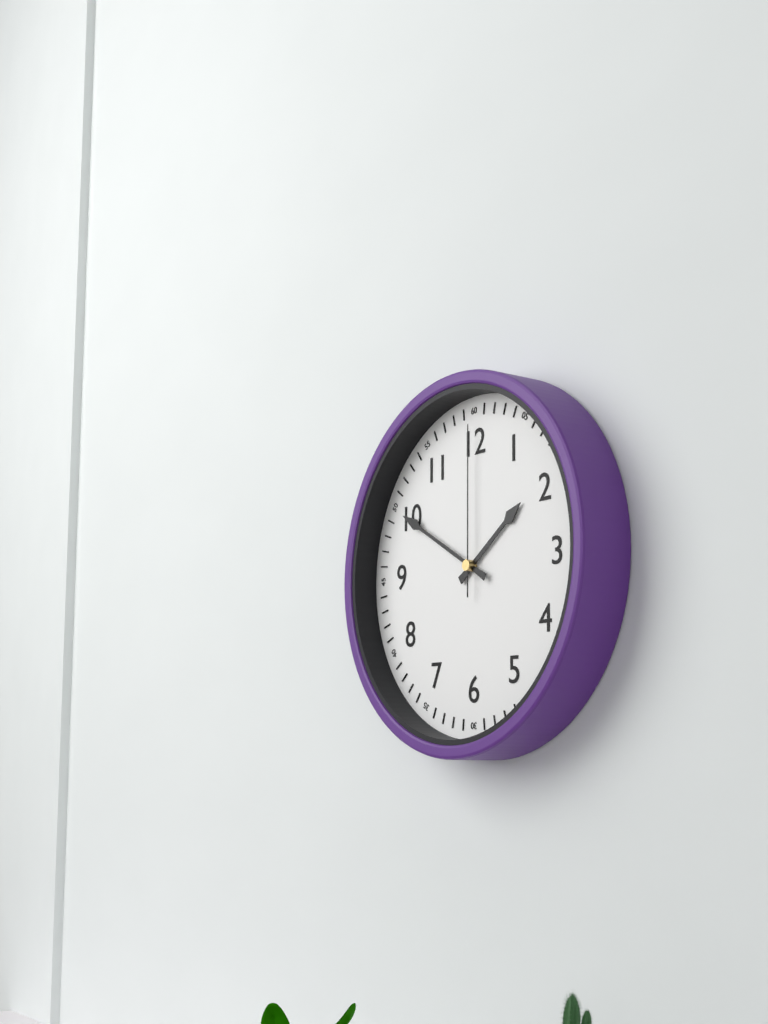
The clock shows 1:50:00
